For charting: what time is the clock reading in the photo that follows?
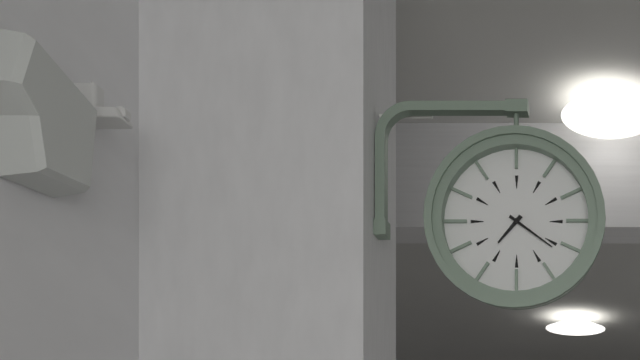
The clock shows 7:21
